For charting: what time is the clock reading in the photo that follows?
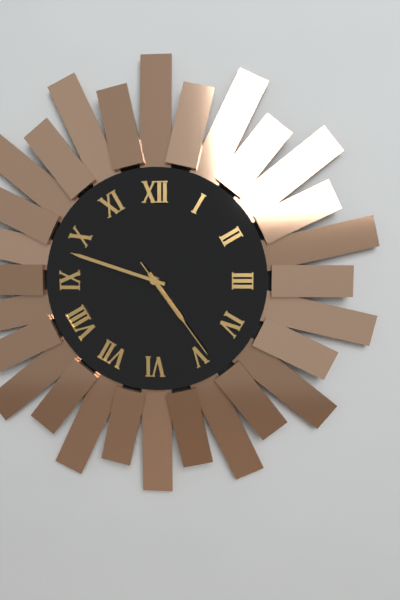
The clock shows 4:48:24
